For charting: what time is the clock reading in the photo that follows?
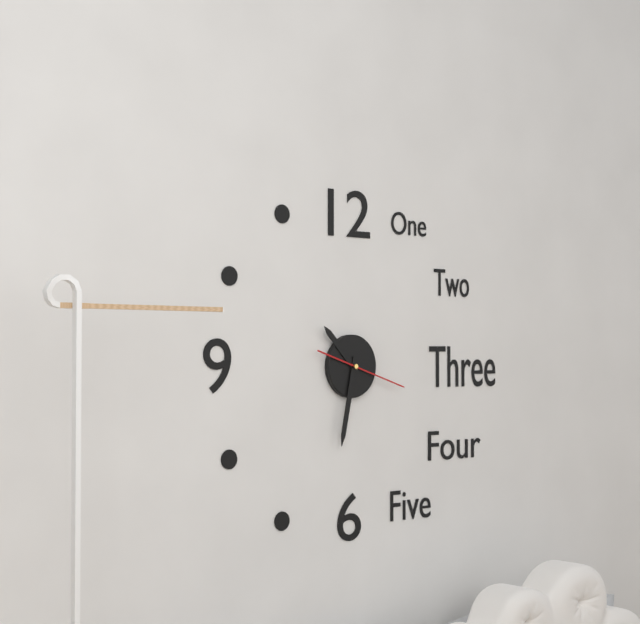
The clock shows 10:32:18
